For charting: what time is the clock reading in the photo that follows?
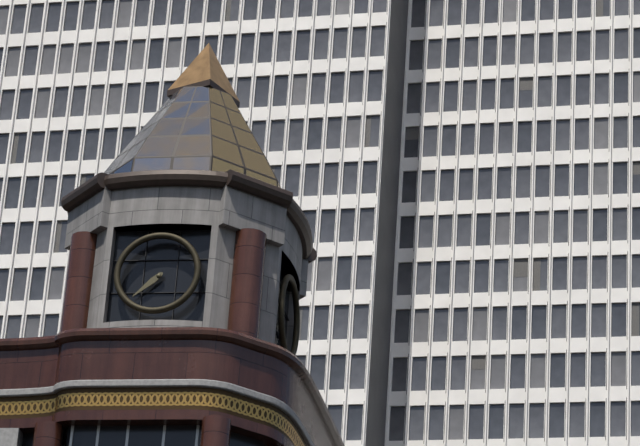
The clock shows 7:38
